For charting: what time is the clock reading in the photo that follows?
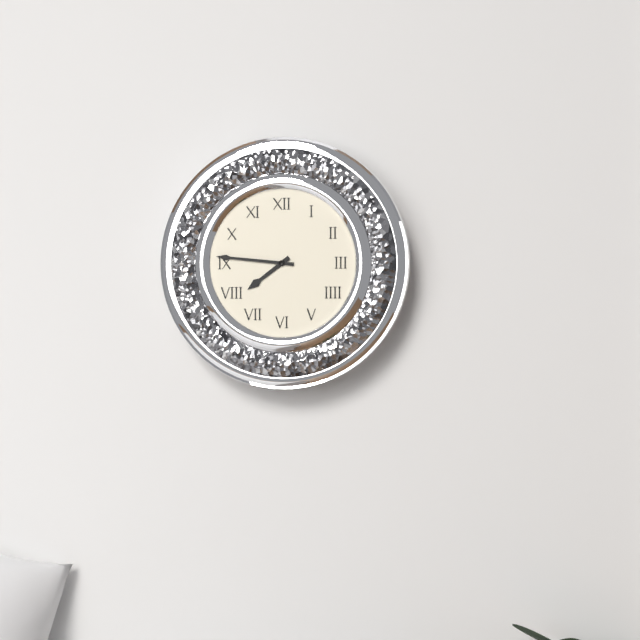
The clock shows 7:46
